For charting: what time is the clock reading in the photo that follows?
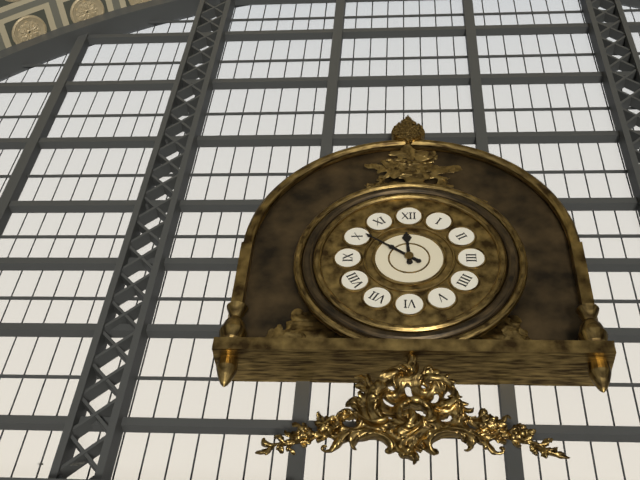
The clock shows 11:51
